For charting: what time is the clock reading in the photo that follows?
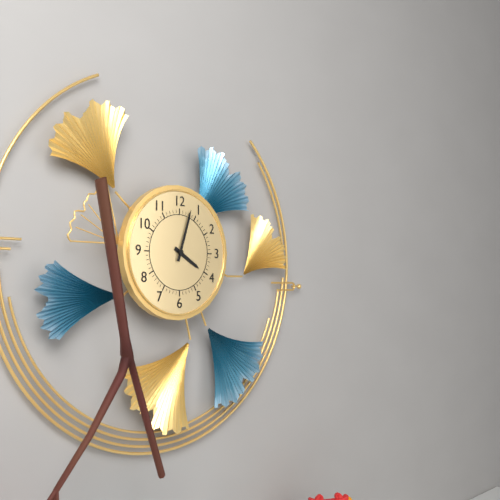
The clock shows 4:03
